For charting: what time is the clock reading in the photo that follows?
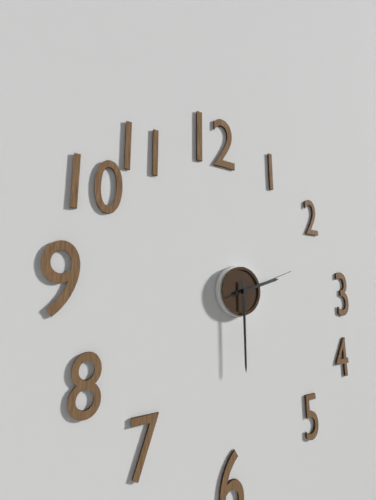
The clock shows 2:30:12
